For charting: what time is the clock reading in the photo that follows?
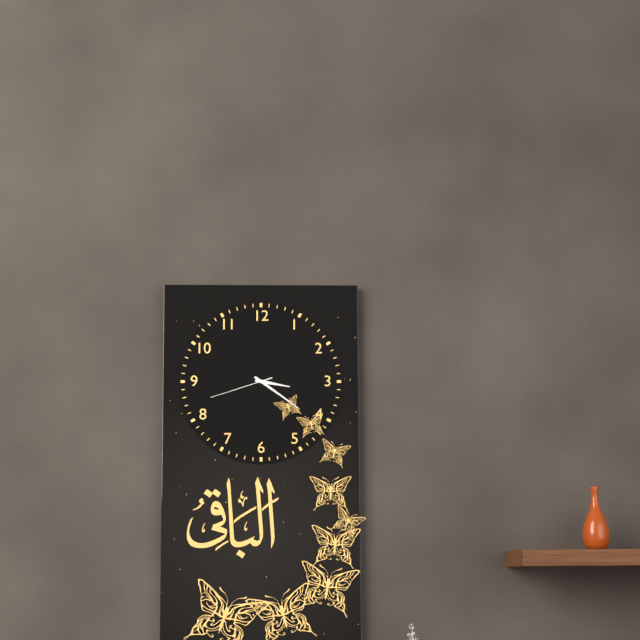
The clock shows 3:21:42
